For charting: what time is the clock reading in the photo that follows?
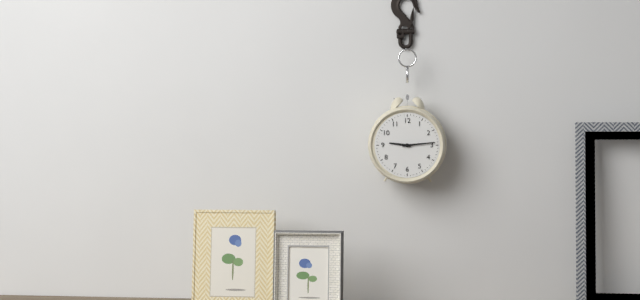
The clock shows 9:14
